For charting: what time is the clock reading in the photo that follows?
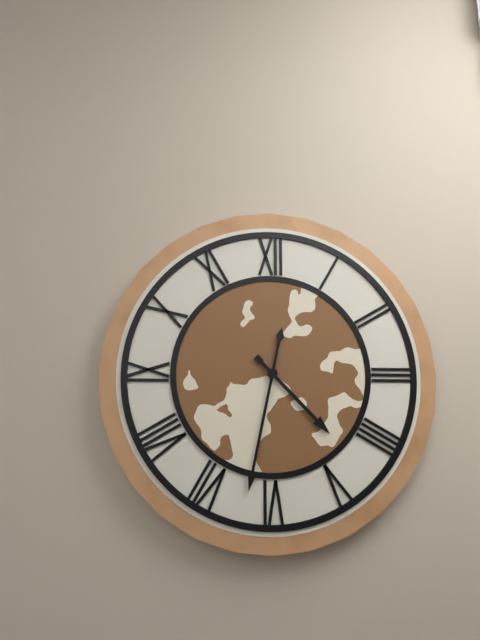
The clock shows 4:32
